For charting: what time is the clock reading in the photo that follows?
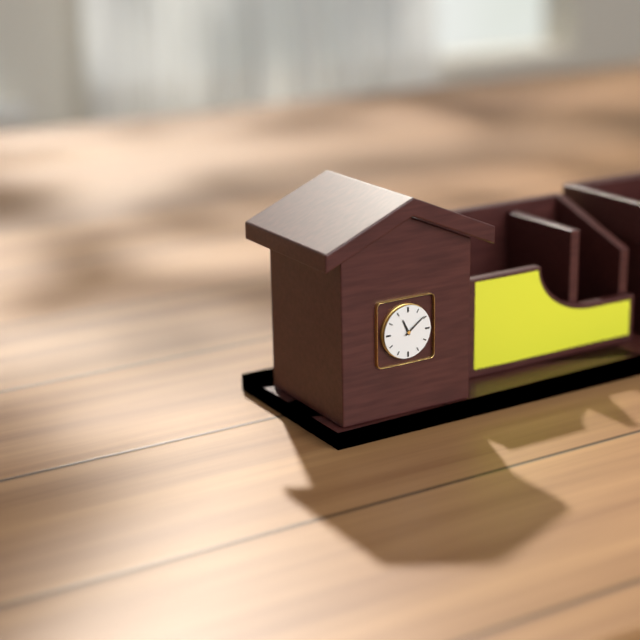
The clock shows 11:09
